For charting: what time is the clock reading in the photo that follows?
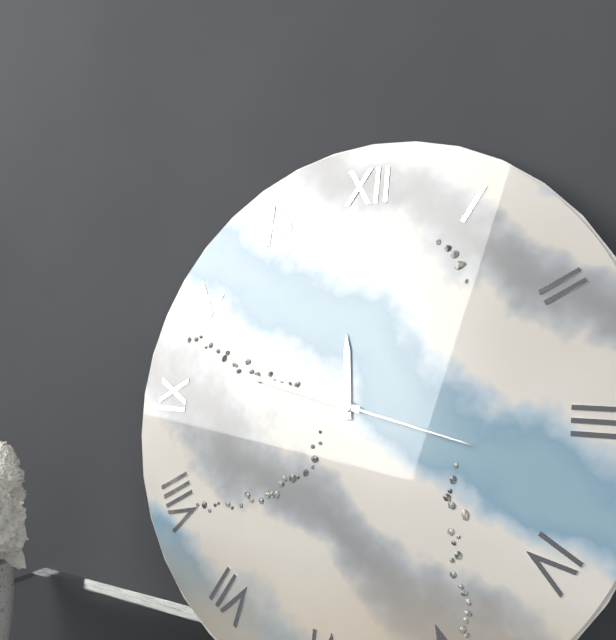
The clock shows 11:47:17
